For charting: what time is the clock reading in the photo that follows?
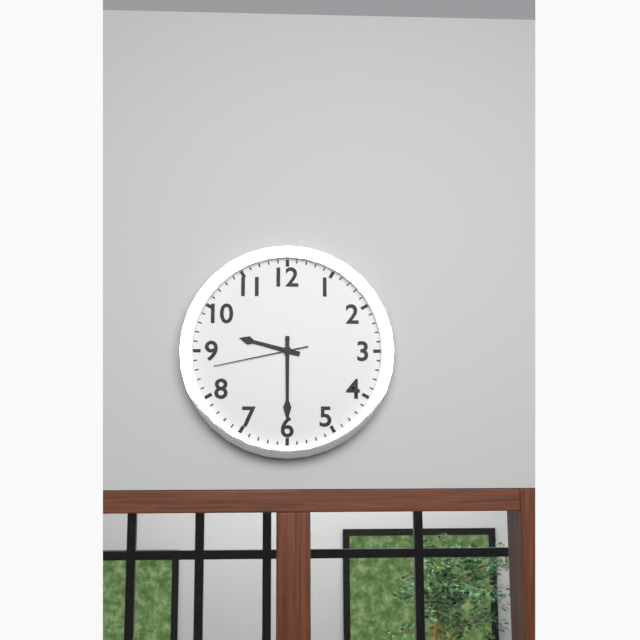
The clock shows 9:30:43
